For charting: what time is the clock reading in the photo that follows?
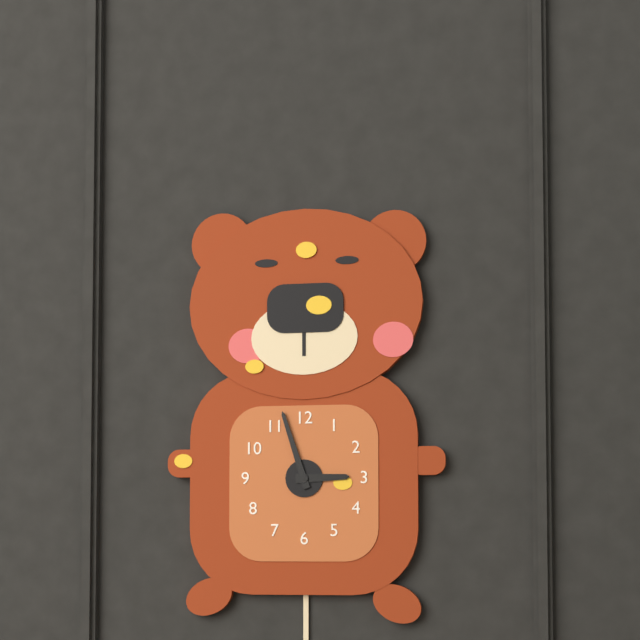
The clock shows 2:57
